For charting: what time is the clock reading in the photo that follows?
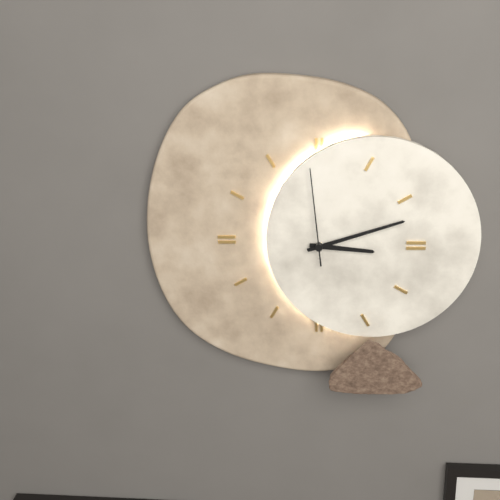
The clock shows 3:12:59
